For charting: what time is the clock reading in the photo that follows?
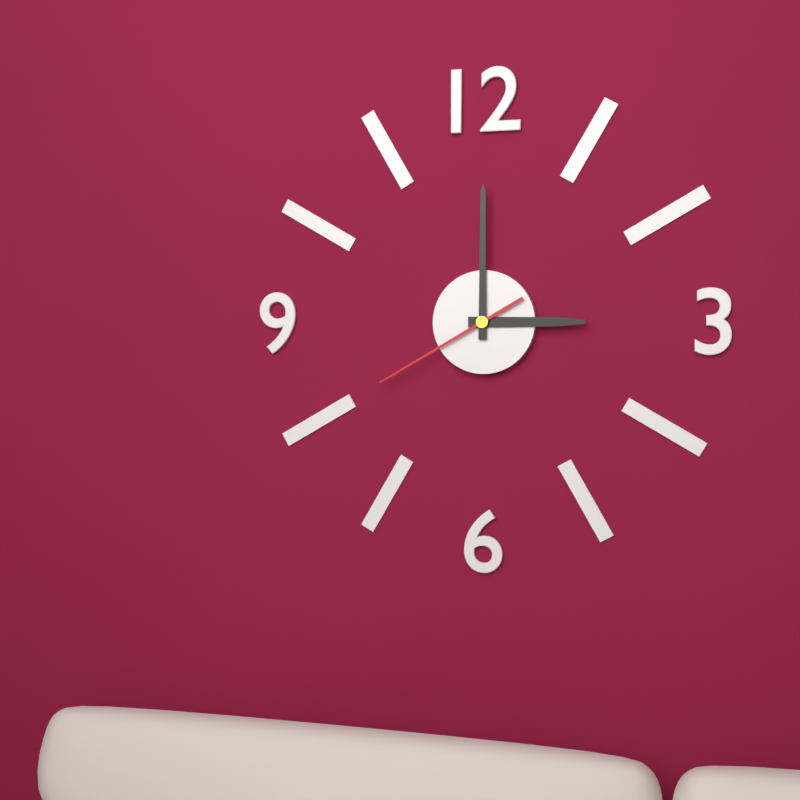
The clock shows 3:00:40
